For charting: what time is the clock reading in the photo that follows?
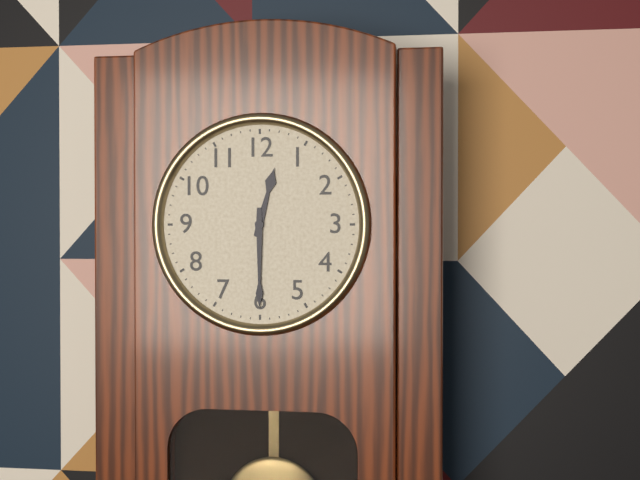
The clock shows 12:30
